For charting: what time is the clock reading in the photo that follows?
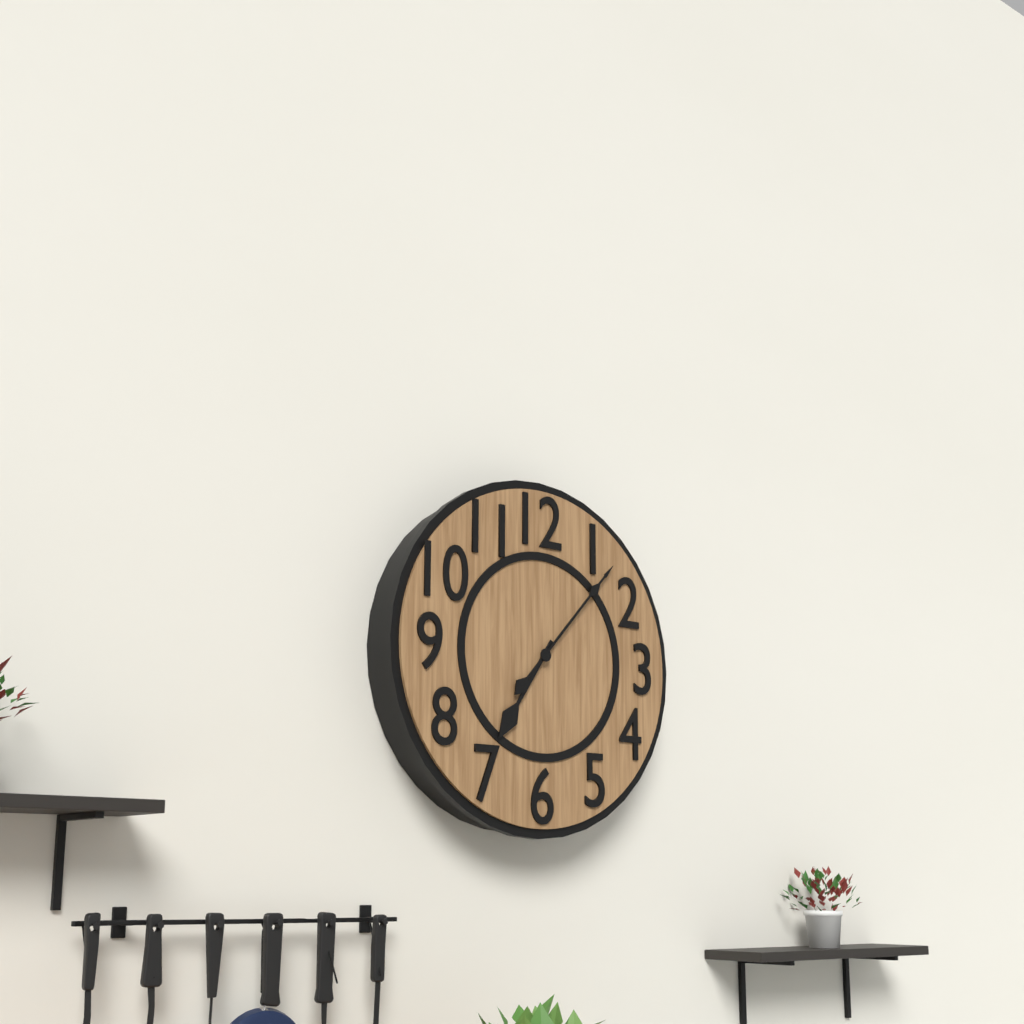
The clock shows 7:07
